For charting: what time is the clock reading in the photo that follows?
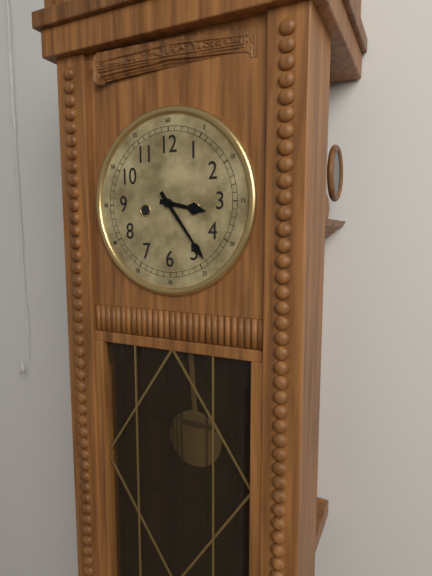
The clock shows 3:24
